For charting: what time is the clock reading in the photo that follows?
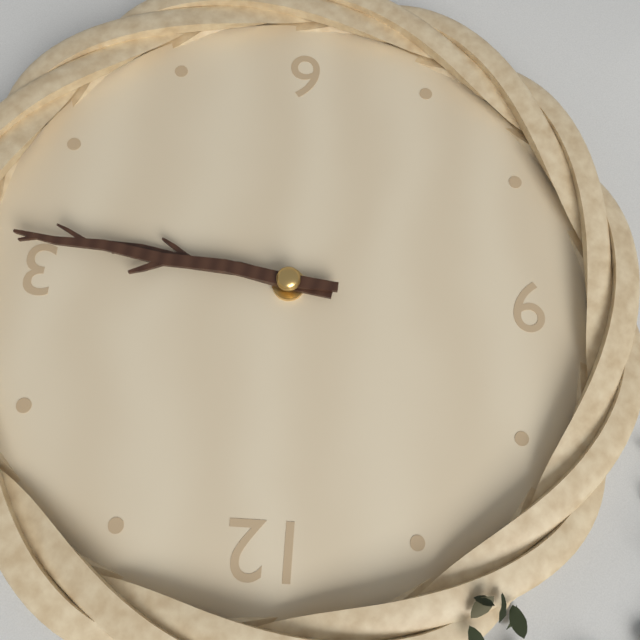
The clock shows 3:16
